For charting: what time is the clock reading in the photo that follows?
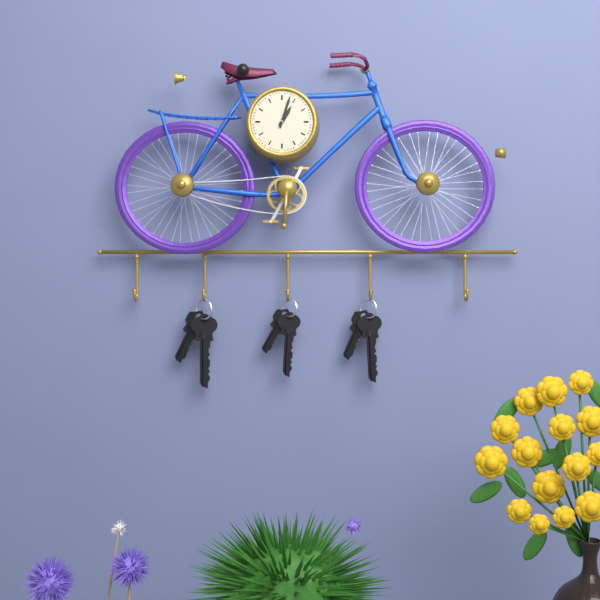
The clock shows 1:03
